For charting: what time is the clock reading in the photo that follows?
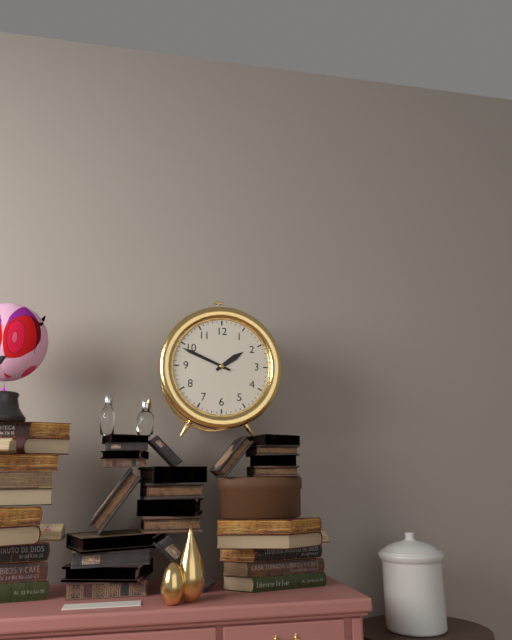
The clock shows 1:49
